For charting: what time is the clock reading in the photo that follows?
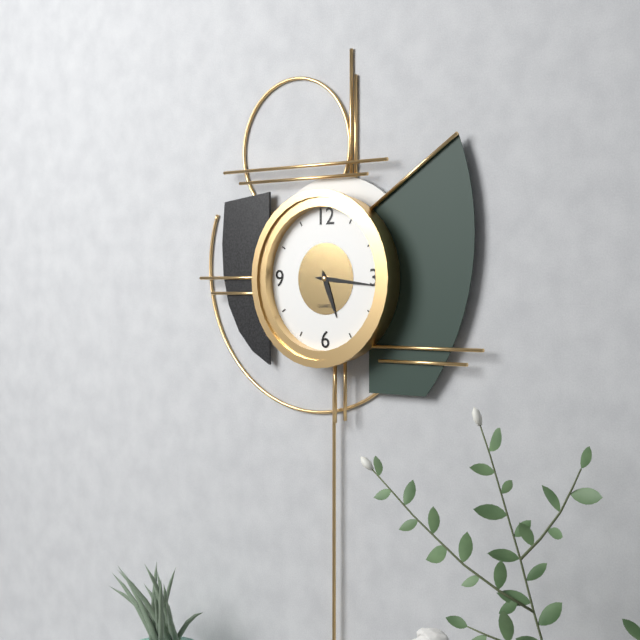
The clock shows 5:16
